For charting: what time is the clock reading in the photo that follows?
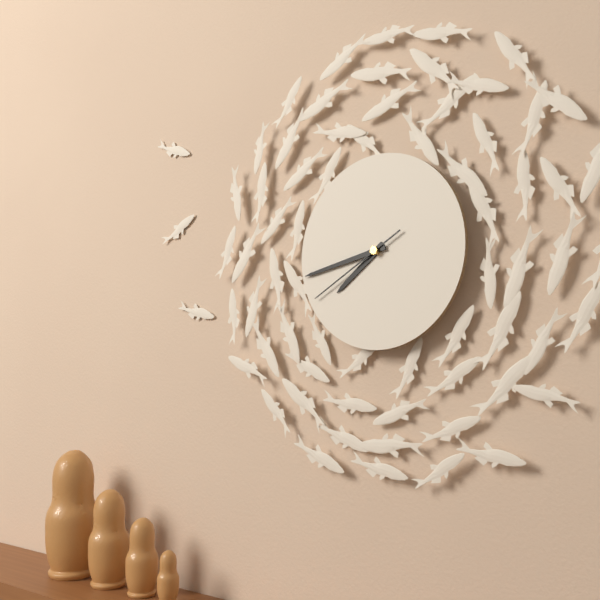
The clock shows 7:43:40
